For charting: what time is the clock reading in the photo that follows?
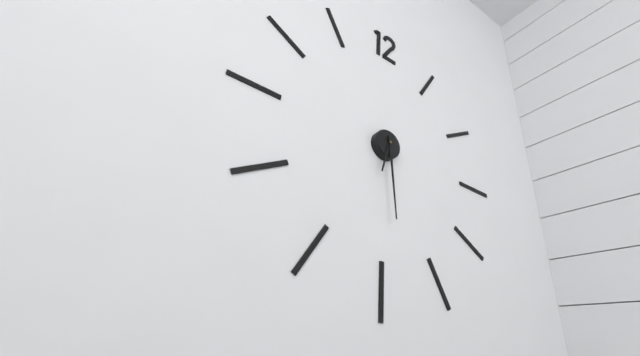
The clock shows 6:29
